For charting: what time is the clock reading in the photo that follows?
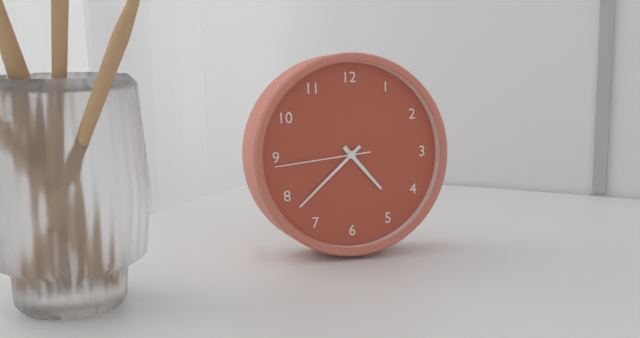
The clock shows 4:38:44
